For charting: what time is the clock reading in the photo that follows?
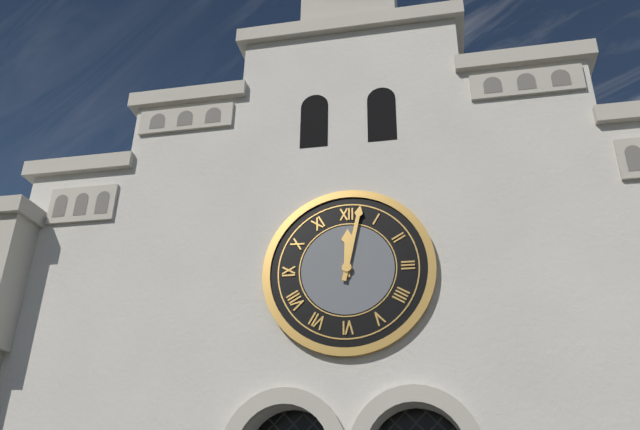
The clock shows 12:02
